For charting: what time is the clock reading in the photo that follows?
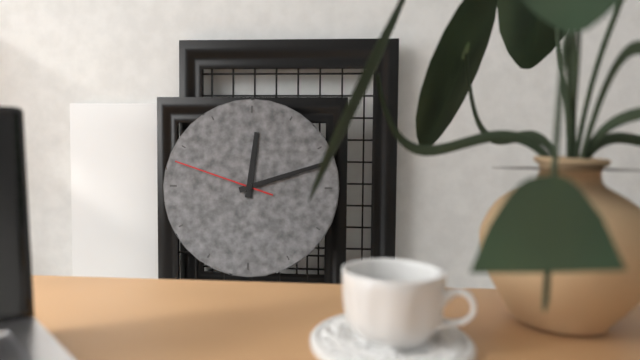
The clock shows 12:12:48
